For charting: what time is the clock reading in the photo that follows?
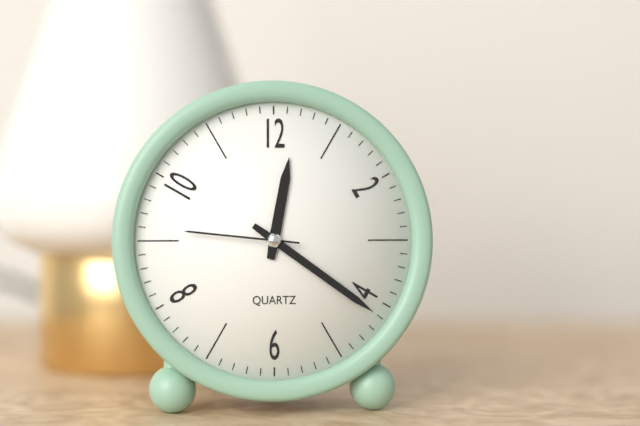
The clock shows 12:21:46
